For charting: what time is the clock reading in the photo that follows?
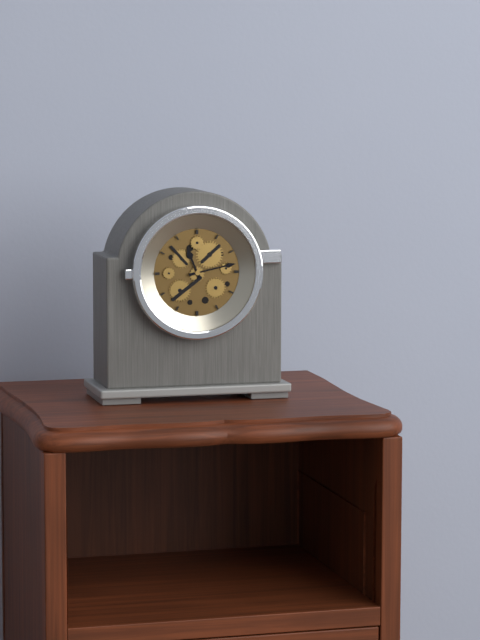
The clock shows 11:13
